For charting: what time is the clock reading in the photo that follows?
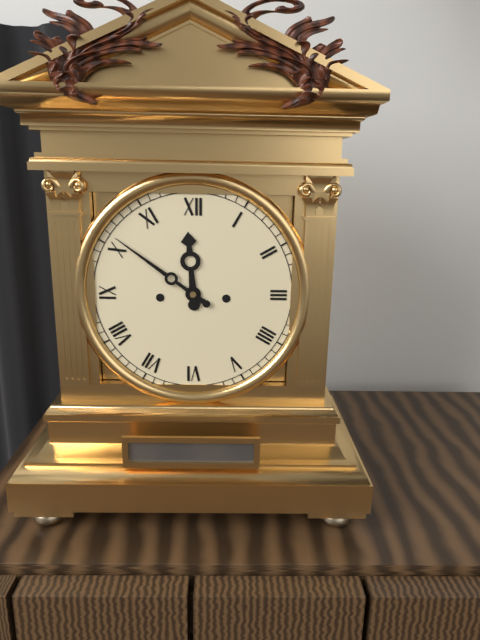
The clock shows 11:51
